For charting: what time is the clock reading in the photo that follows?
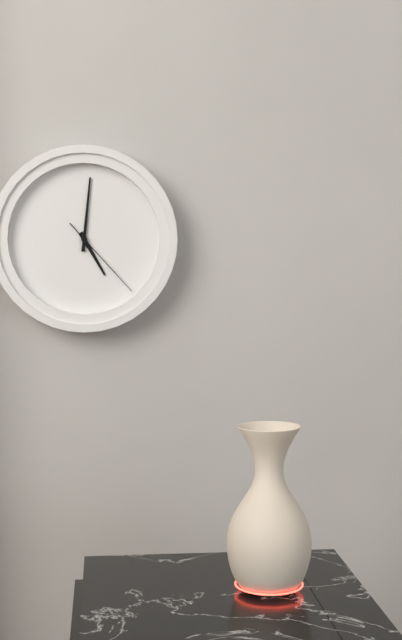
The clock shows 5:01:23
